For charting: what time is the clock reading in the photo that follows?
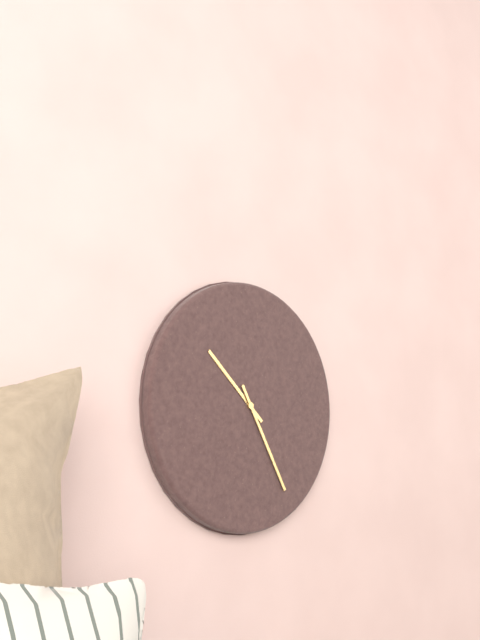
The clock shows 10:25
